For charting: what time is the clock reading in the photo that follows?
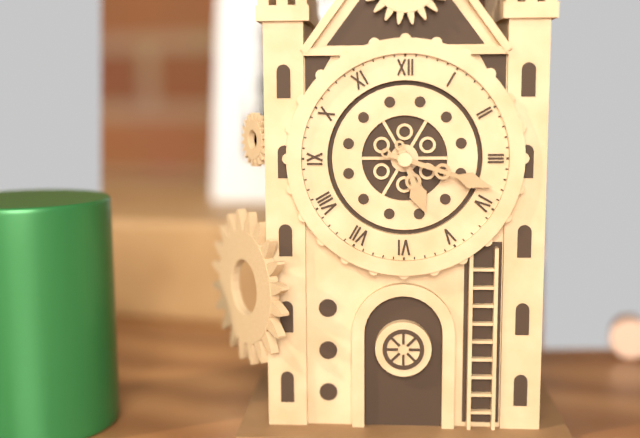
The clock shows 5:18
